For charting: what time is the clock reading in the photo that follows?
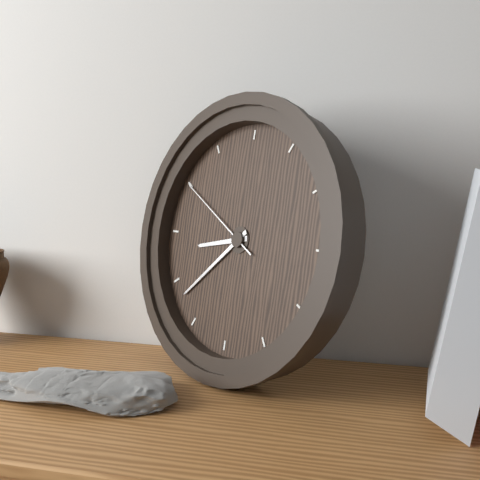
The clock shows 8:38:50
